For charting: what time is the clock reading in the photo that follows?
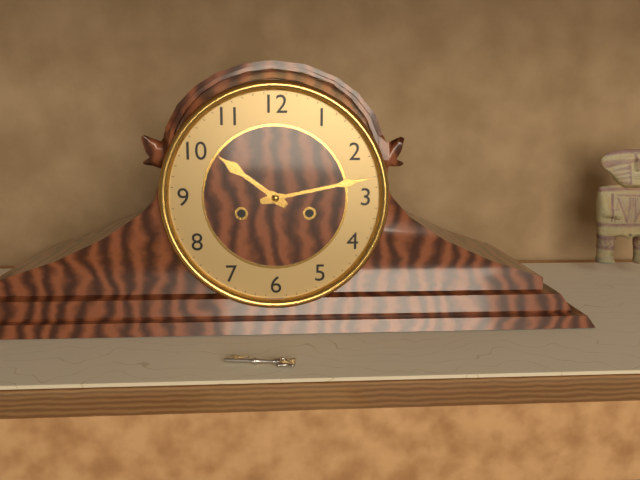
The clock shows 10:13
